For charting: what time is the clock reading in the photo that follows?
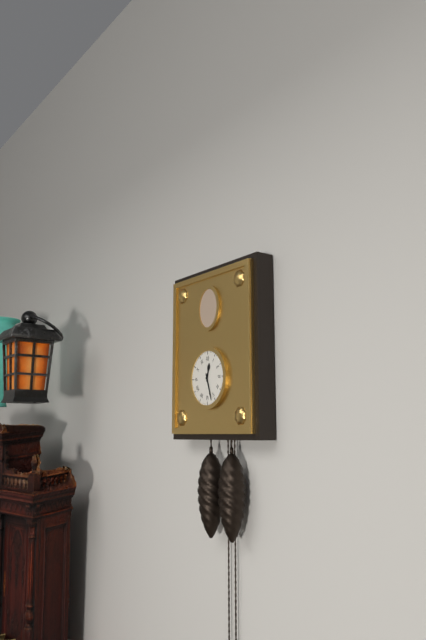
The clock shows 12:27
